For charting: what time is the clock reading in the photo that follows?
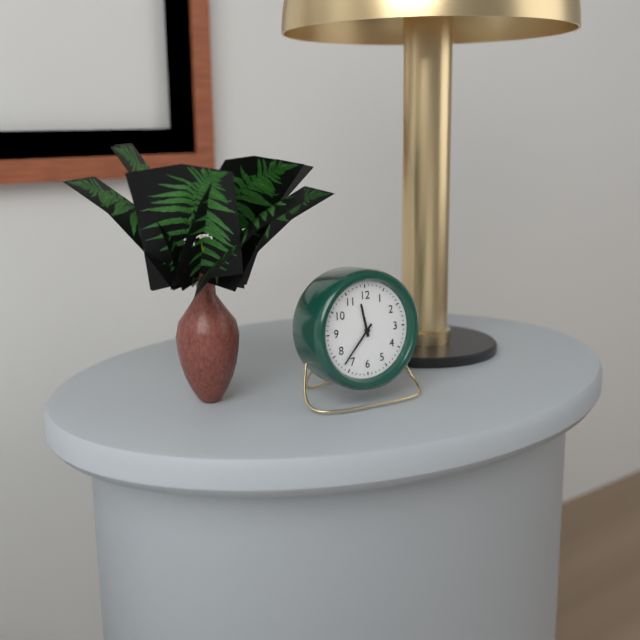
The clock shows 11:37
